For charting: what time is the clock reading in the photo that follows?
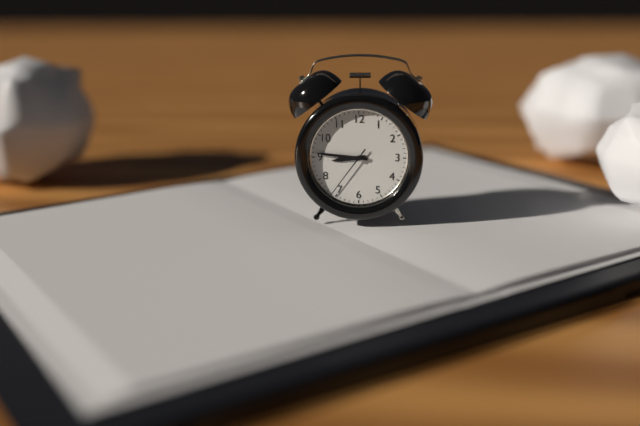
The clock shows 8:46:36
